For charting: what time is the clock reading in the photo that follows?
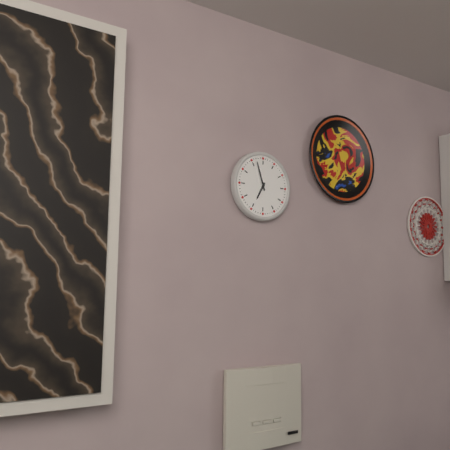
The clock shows 6:57
